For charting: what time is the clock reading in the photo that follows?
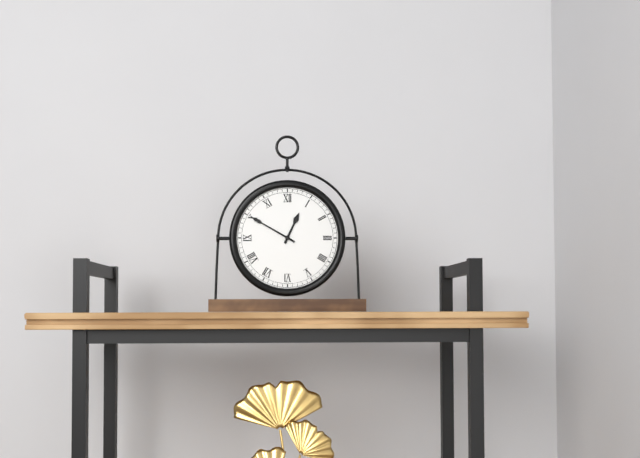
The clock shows 12:50
